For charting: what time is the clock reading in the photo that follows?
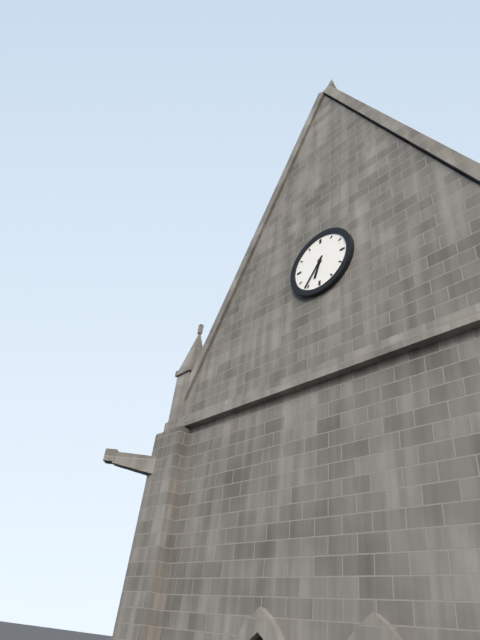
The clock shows 6:36
